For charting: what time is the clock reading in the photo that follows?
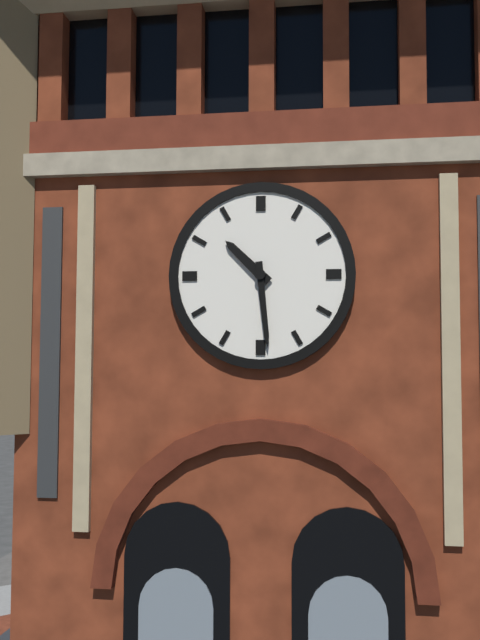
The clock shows 10:29
